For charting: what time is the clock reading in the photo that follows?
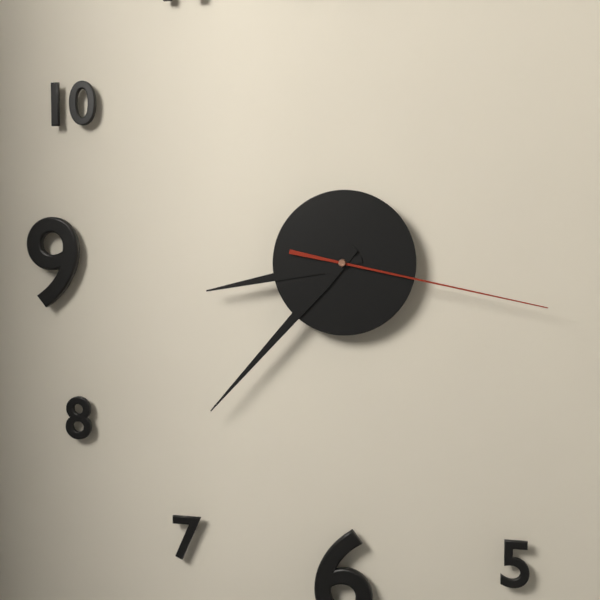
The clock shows 8:37:17
